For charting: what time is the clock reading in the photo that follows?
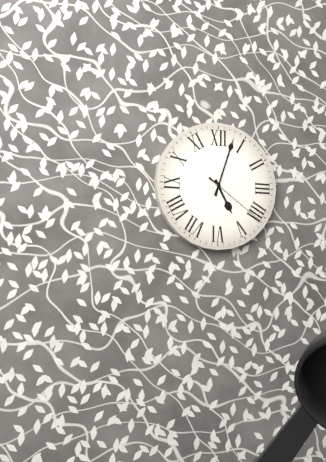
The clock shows 5:03:21
